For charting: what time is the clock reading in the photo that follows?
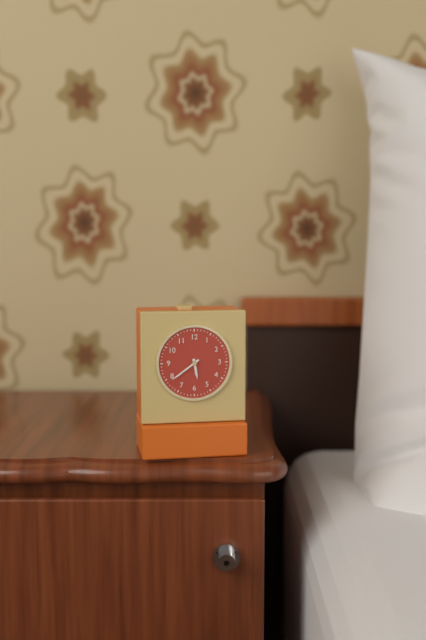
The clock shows 5:39
